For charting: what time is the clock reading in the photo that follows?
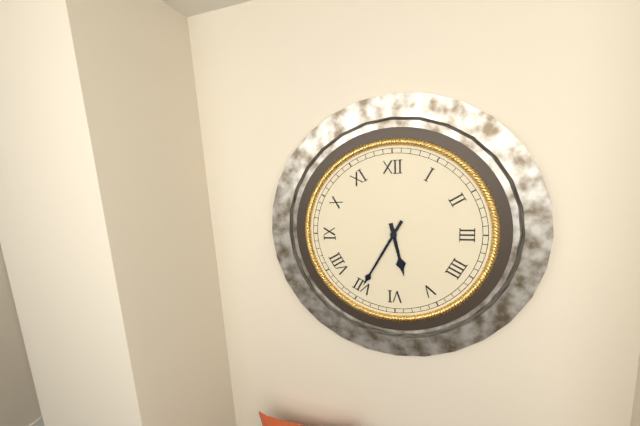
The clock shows 5:35
